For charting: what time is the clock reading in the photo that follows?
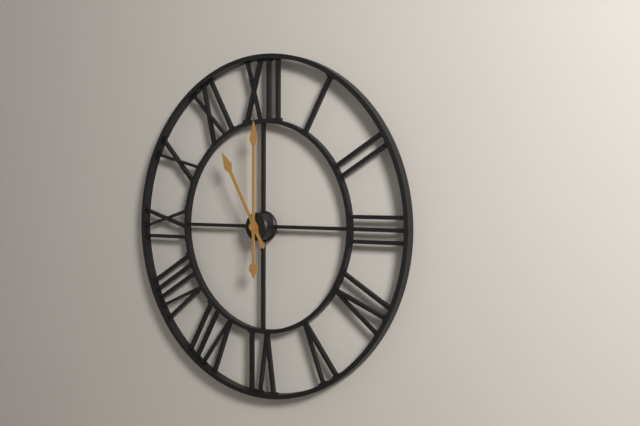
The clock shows 11:00
